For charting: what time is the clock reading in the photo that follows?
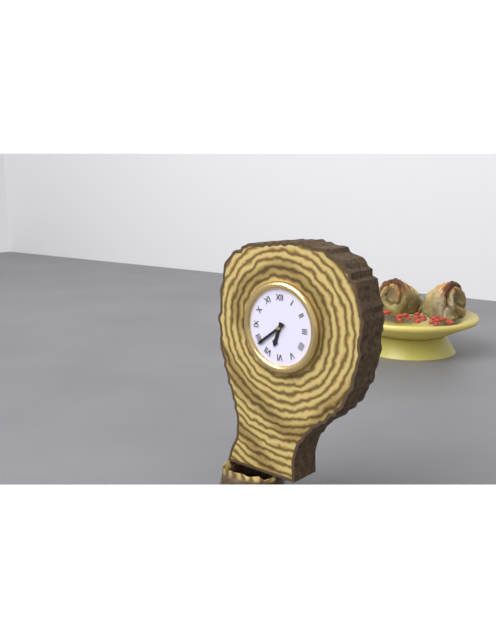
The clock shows 6:39
